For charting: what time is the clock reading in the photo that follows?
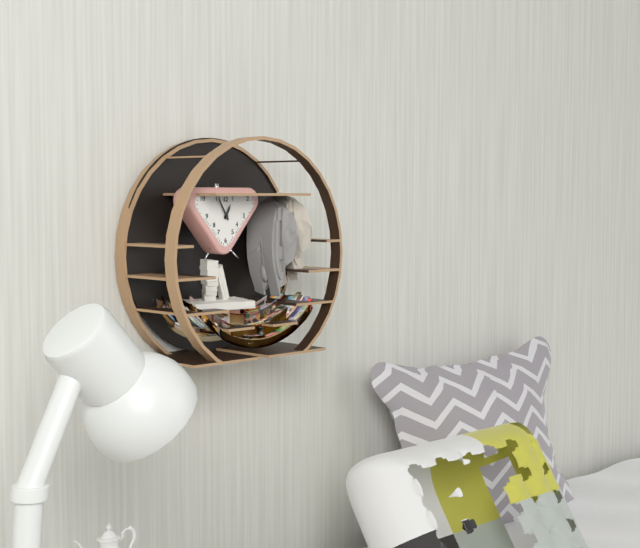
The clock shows 12:55
